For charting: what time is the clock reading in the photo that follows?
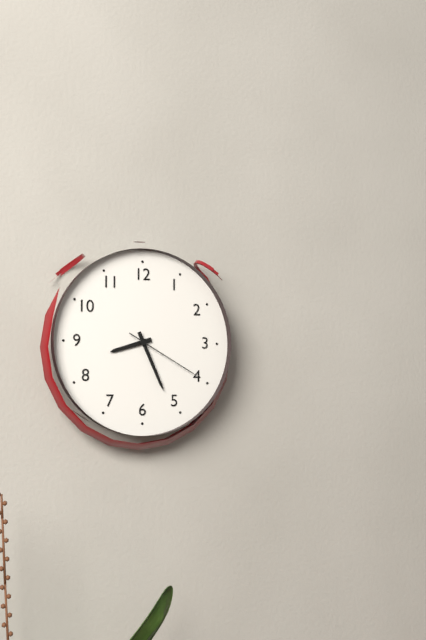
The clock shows 8:26:20
